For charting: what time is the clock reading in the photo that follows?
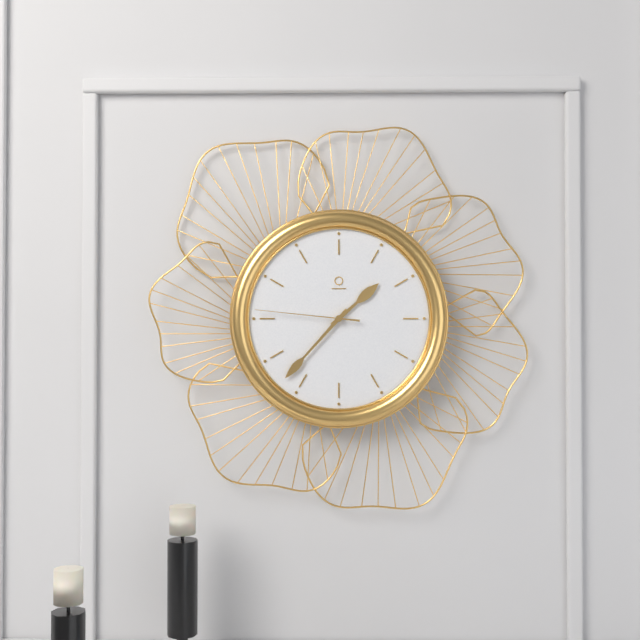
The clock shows 1:37:46
